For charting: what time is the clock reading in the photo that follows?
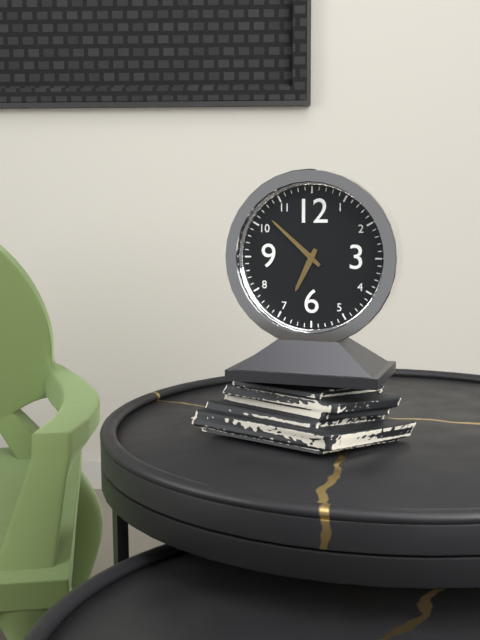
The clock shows 6:52
